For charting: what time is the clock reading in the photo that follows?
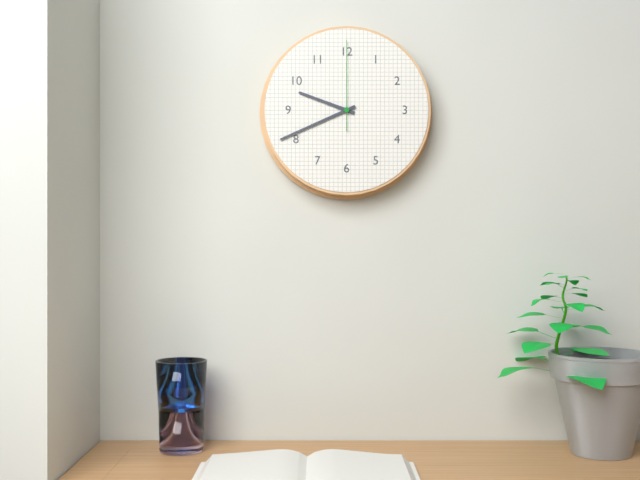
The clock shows 9:41:00
